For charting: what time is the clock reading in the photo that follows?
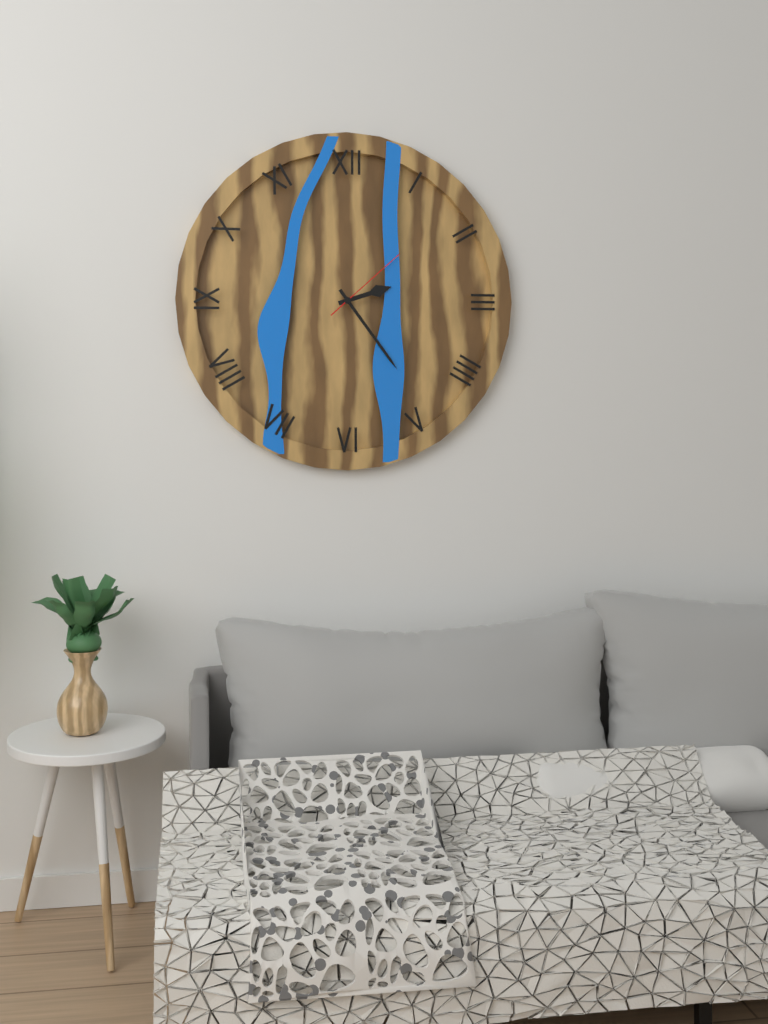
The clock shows 2:24:08
